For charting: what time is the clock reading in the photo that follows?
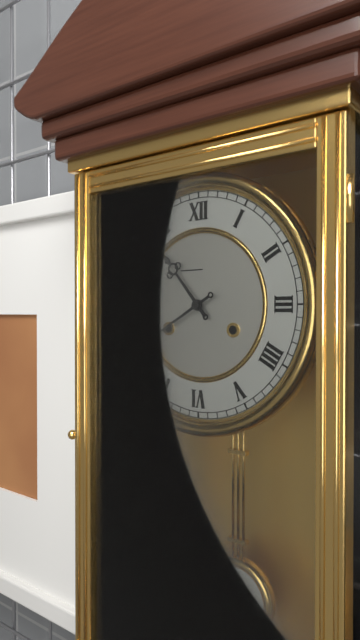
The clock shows 10:40
